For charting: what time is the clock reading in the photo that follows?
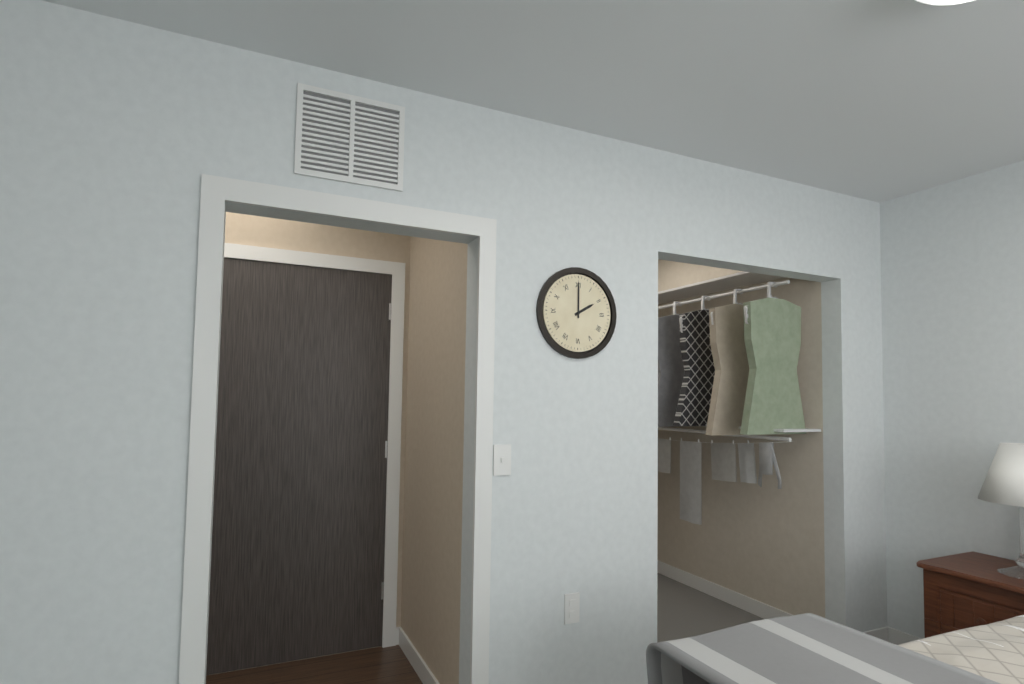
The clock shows 2:00
